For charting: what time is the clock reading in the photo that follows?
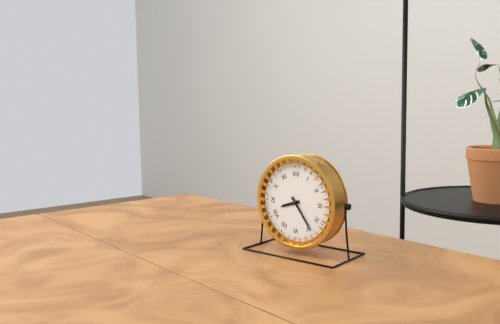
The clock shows 8:24
